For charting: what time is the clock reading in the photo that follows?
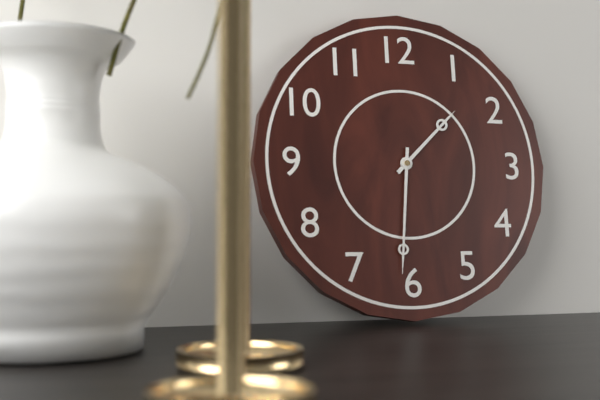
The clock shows 1:31
